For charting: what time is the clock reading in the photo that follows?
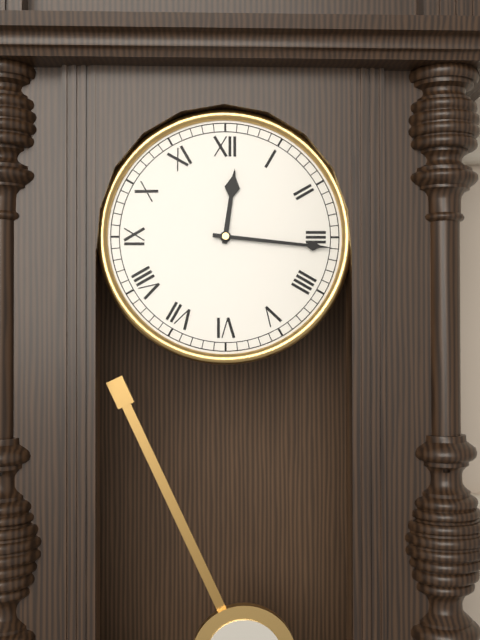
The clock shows 12:16
